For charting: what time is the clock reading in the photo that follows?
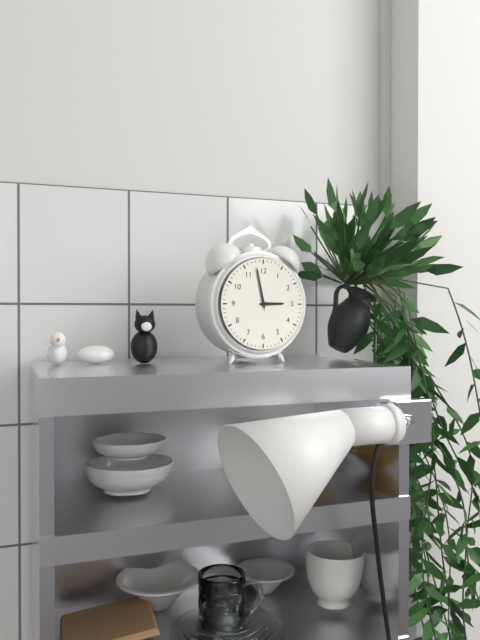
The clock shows 2:58
